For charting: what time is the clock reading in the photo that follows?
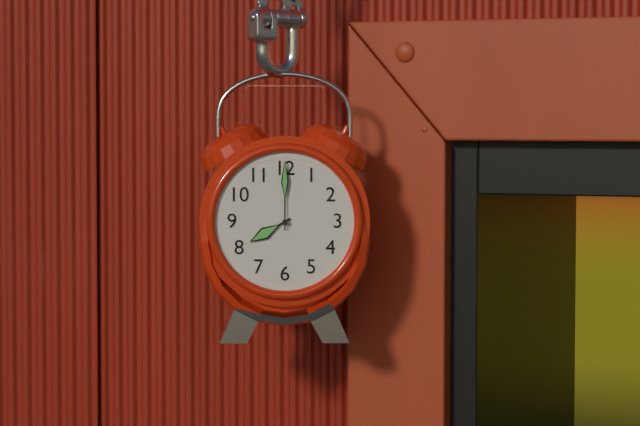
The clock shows 8:00
